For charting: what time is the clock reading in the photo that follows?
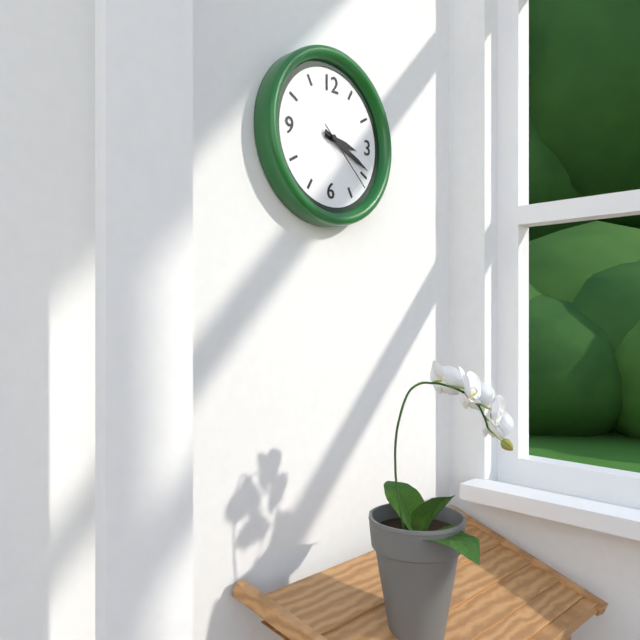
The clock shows 3:19:22
